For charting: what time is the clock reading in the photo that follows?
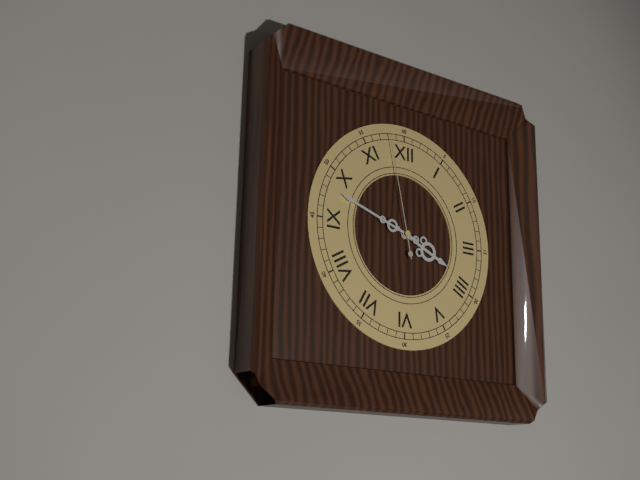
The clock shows 3:48:58
